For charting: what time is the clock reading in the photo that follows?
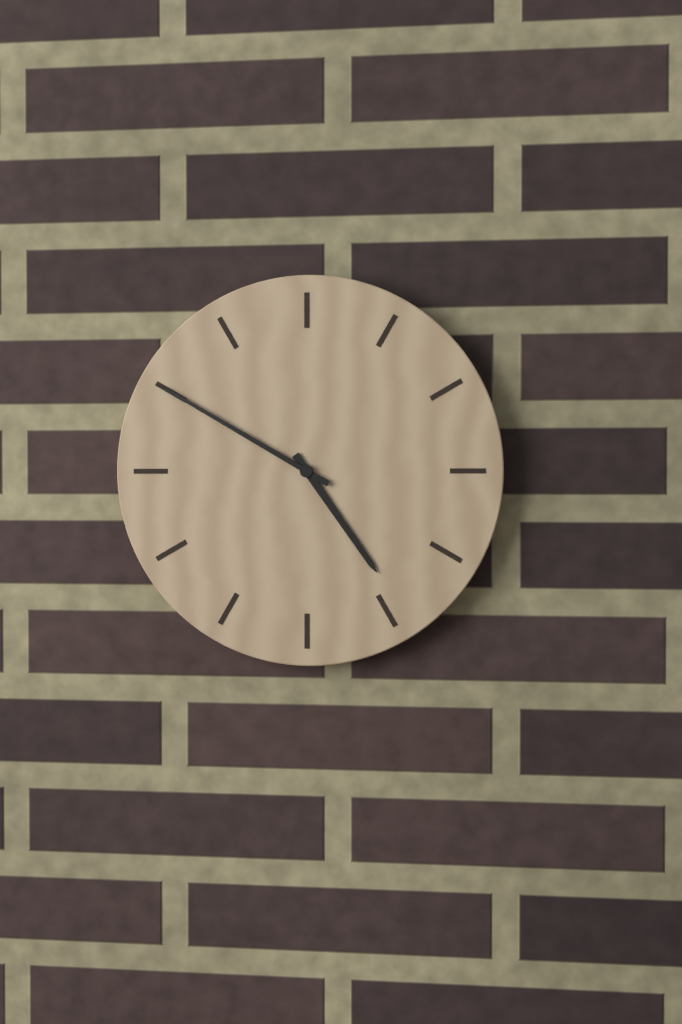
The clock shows 4:50
